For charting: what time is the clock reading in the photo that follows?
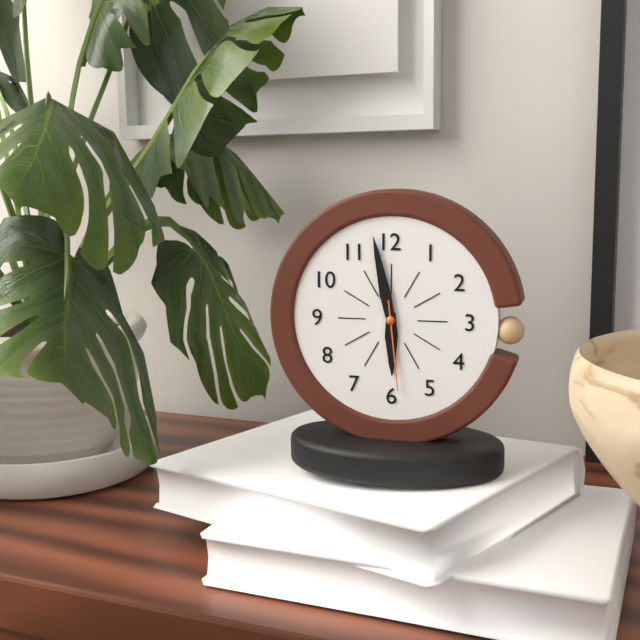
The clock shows 5:58:29
